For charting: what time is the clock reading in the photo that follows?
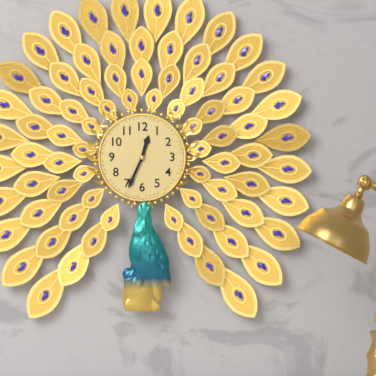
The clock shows 12:34
